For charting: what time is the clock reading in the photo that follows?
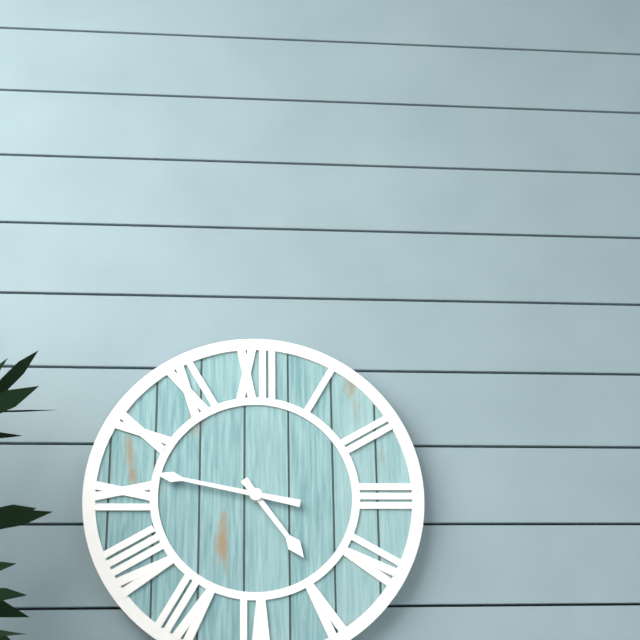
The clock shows 4:47
